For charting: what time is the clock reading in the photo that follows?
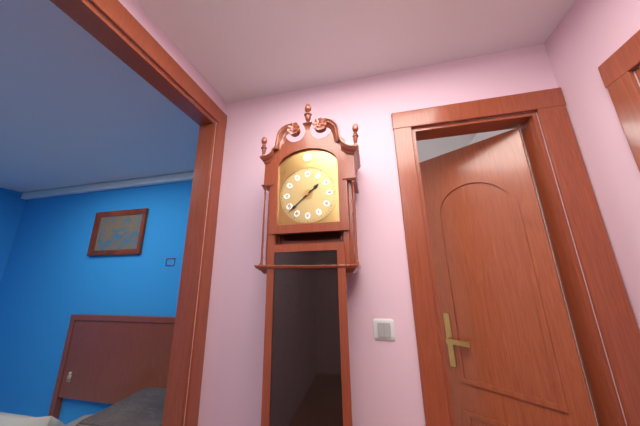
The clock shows 1:38
